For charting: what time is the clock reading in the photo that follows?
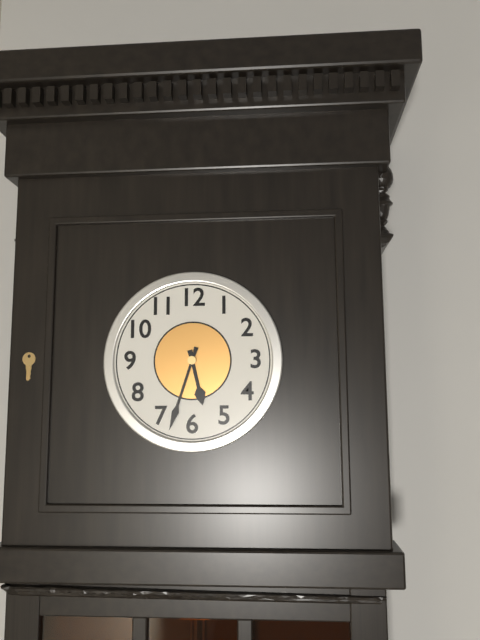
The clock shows 5:33
